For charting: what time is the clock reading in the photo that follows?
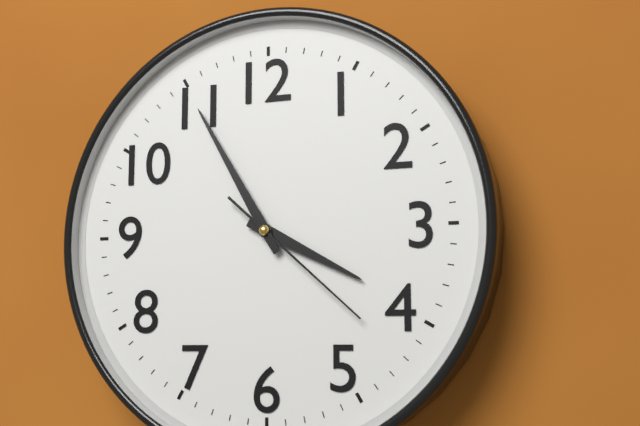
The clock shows 3:55:22
